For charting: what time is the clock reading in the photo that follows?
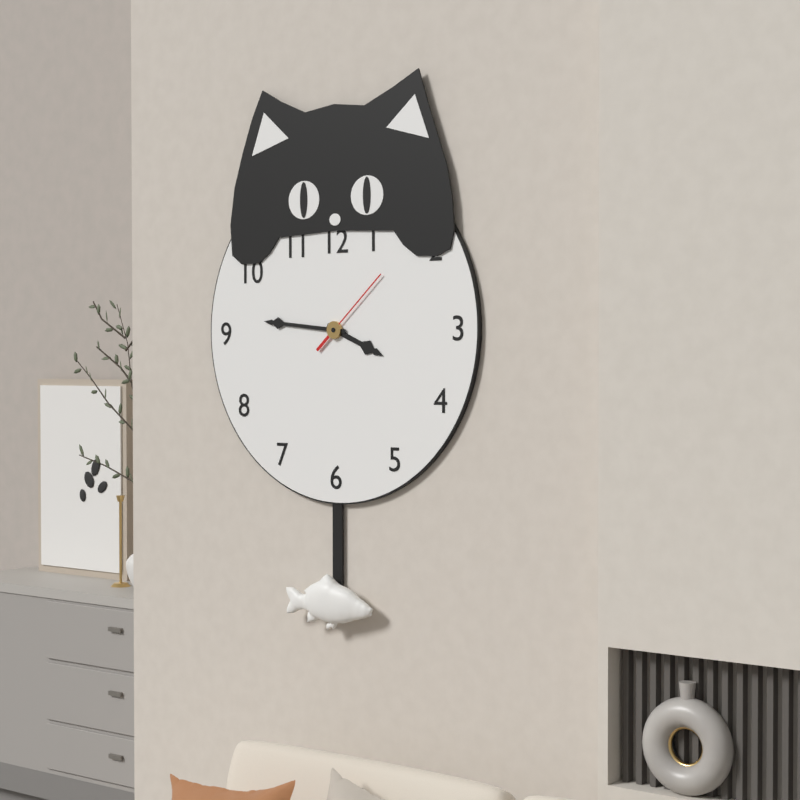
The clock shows 3:46:08
